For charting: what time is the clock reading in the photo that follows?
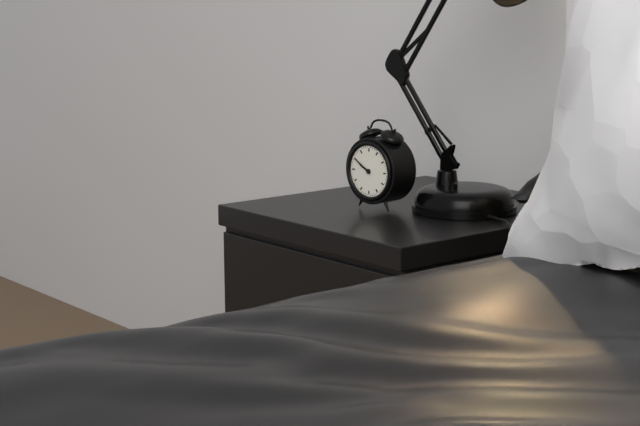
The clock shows 9:50
